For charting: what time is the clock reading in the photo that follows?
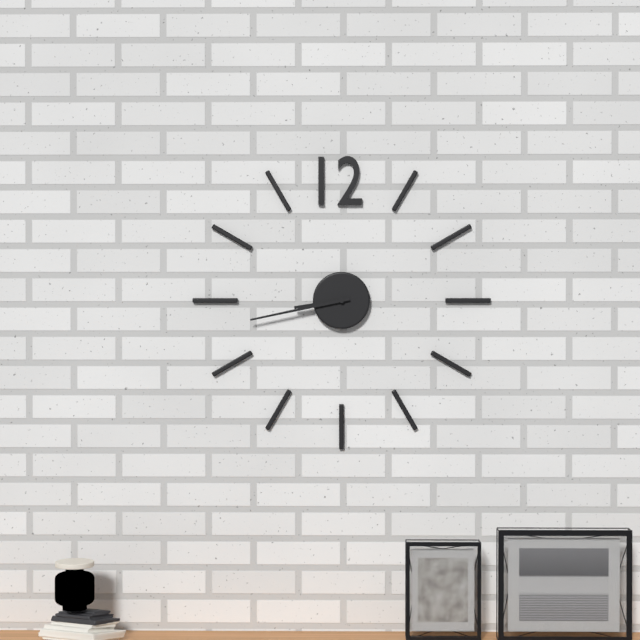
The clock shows 8:43
